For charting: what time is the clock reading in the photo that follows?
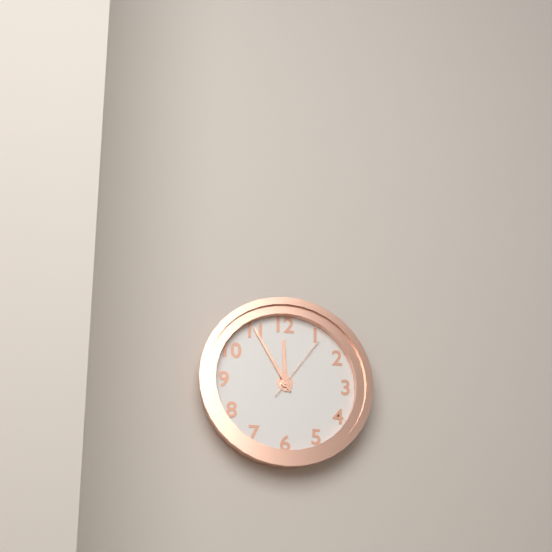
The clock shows 11:55:06
